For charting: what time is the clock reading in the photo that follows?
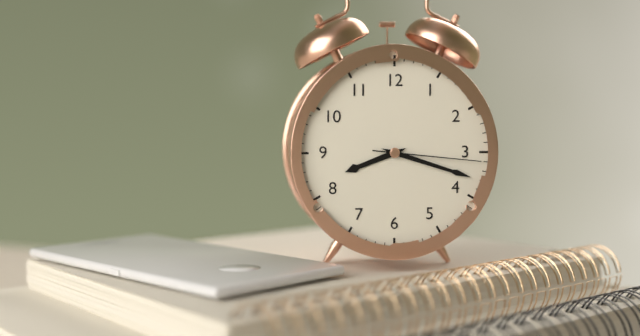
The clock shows 8:18:16
